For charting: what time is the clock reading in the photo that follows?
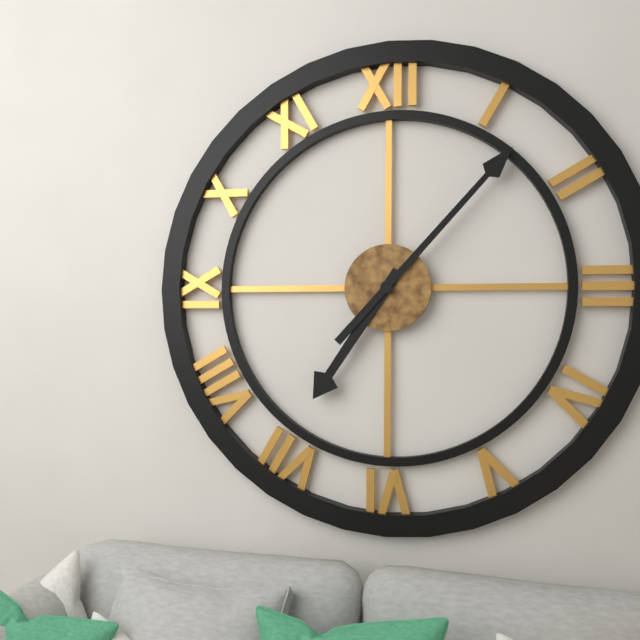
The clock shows 7:07
